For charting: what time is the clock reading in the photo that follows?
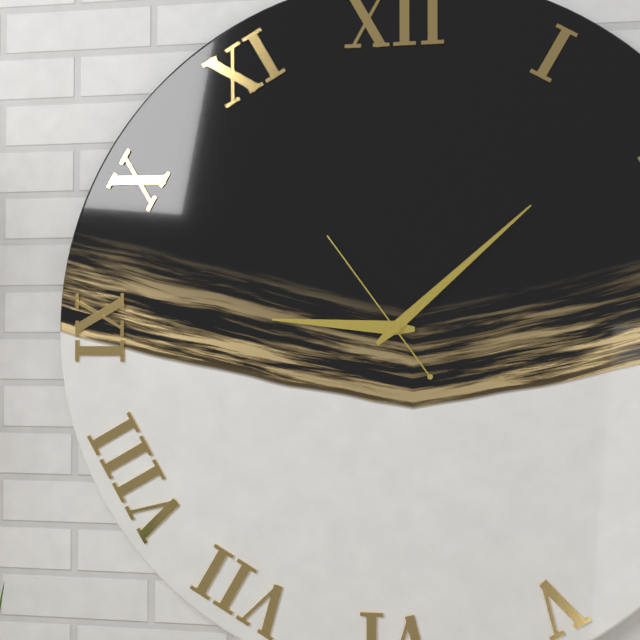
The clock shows 9:08:54
